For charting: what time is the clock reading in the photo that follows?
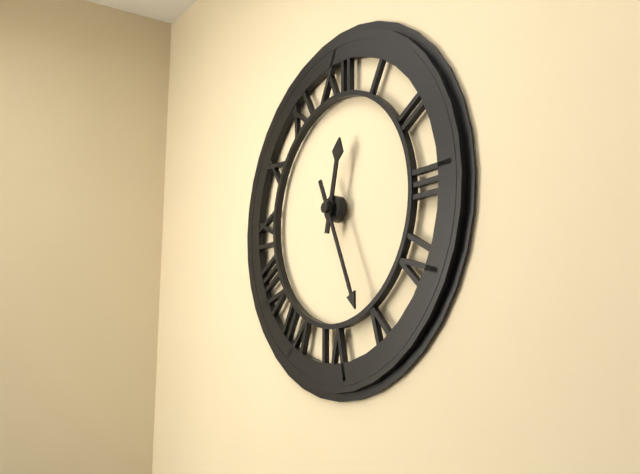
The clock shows 12:26
